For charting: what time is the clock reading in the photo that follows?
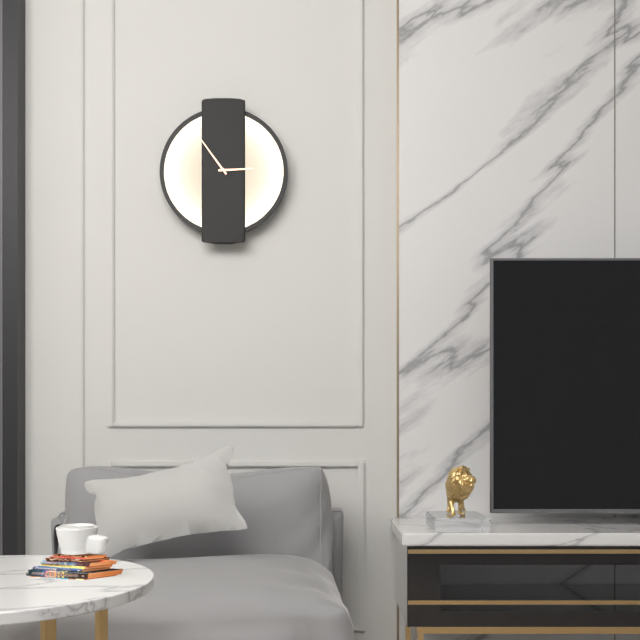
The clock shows 2:54
